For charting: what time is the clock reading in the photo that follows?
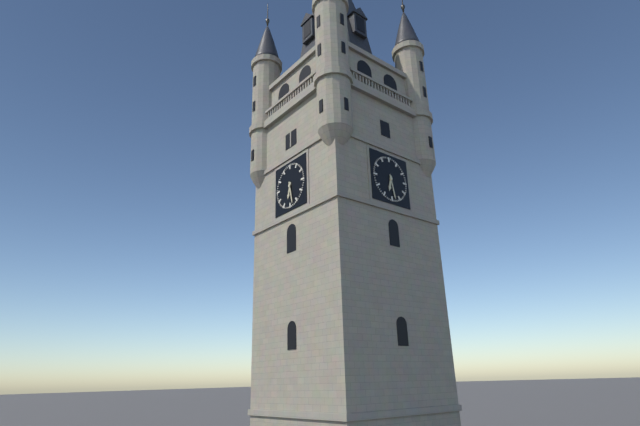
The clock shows 6:28
